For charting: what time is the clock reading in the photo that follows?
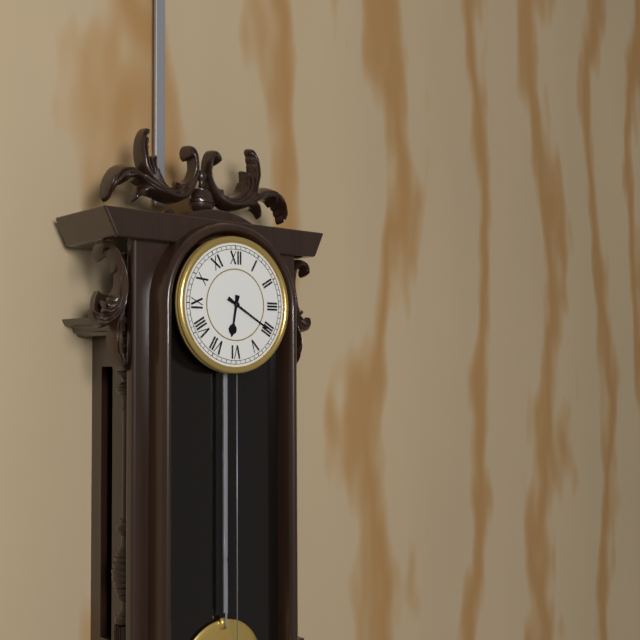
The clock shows 6:20
